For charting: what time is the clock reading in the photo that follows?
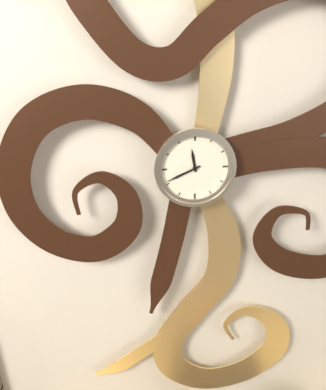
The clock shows 11:41
